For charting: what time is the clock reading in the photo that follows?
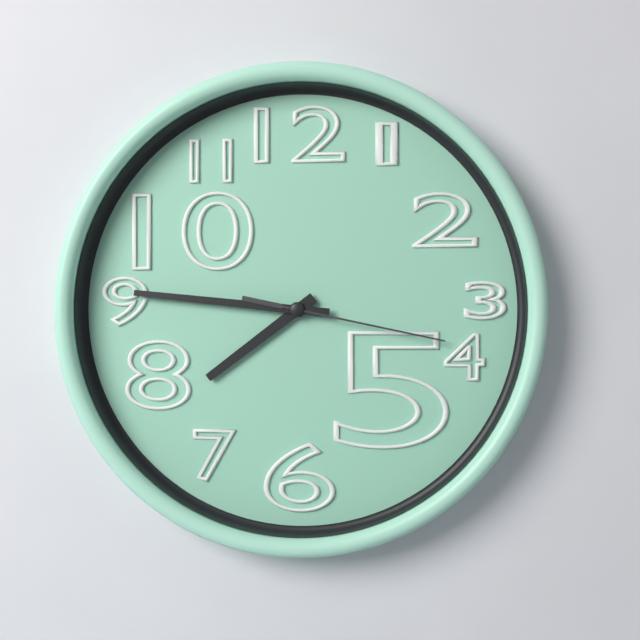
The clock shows 7:46:17
